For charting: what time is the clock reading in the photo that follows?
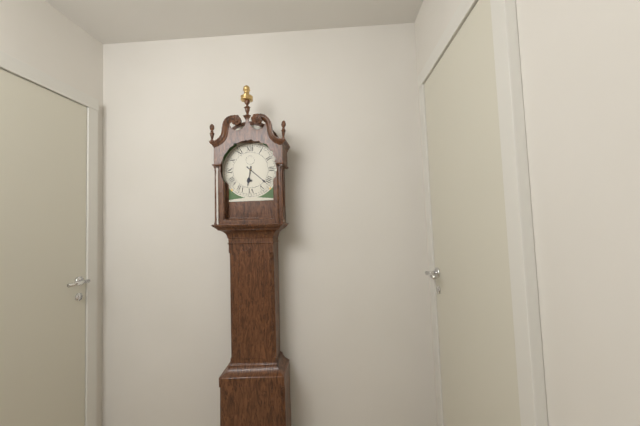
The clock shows 6:22
